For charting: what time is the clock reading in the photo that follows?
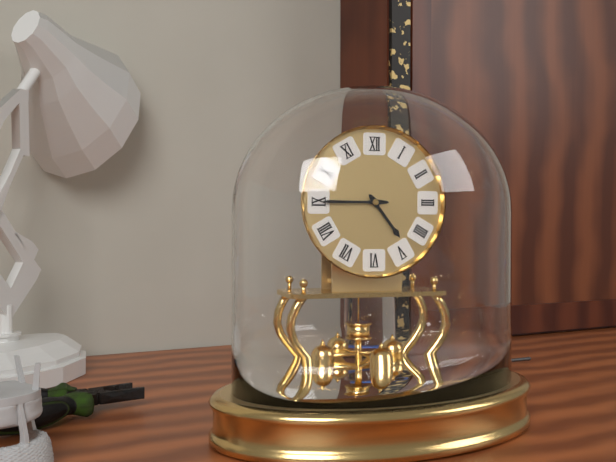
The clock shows 4:45
